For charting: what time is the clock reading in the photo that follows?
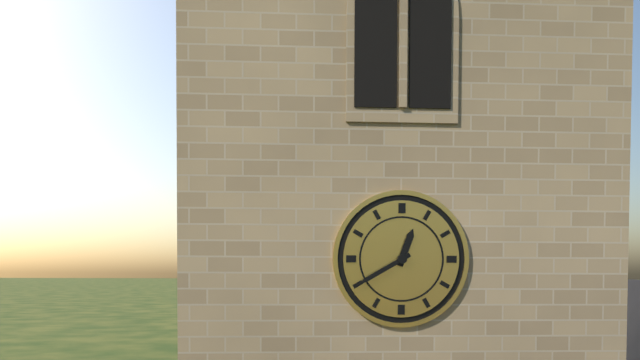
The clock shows 12:40
